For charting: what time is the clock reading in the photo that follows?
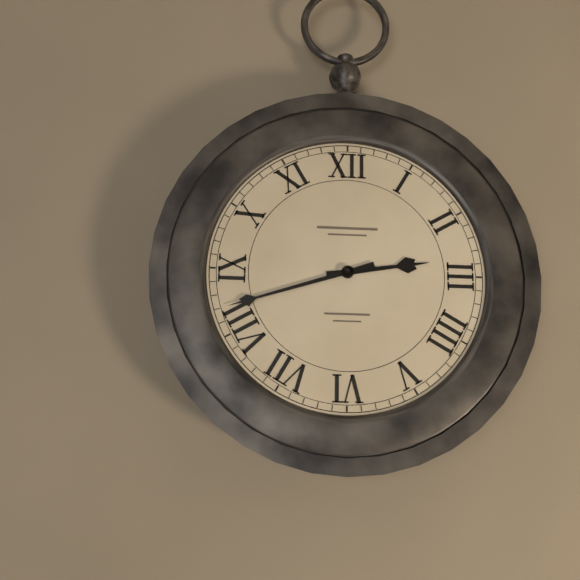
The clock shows 2:42
